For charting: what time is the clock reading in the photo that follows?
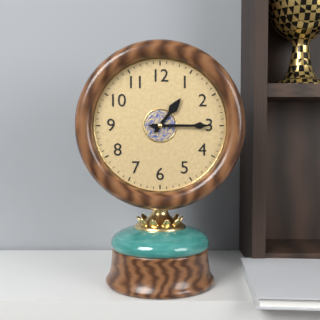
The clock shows 1:15
